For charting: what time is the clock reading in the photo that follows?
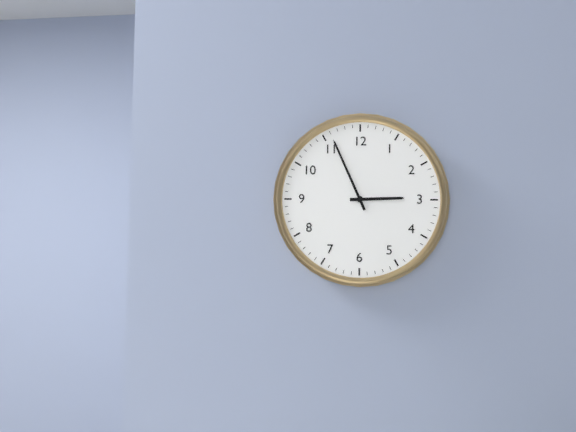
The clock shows 2:56
